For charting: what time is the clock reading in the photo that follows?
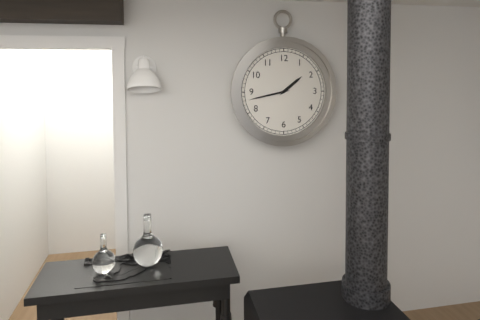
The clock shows 1:43
